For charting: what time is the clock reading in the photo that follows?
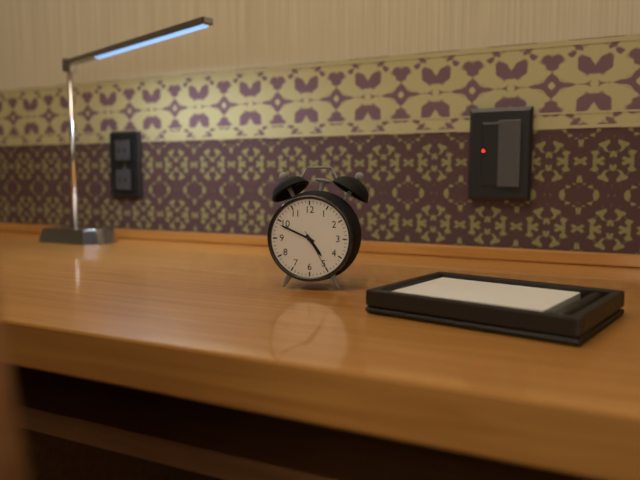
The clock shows 4:49
